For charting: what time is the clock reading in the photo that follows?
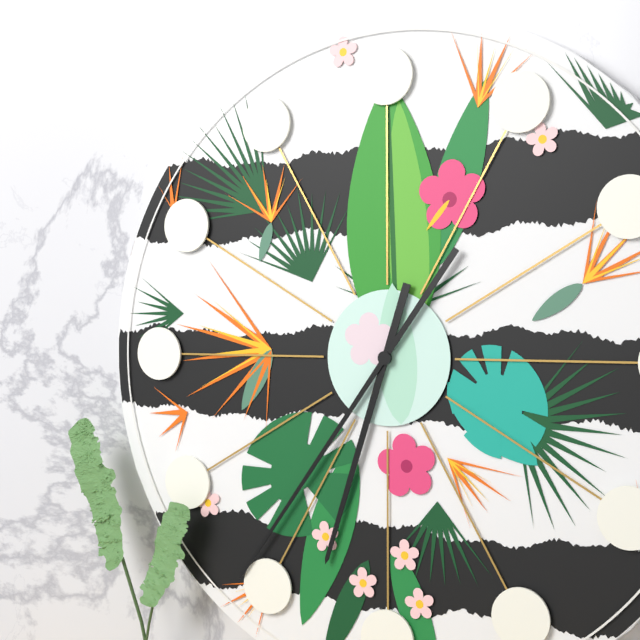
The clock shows 6:36
